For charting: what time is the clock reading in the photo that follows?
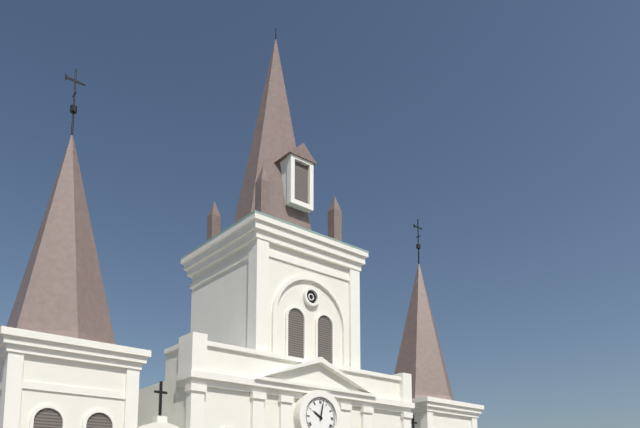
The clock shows 10:02
